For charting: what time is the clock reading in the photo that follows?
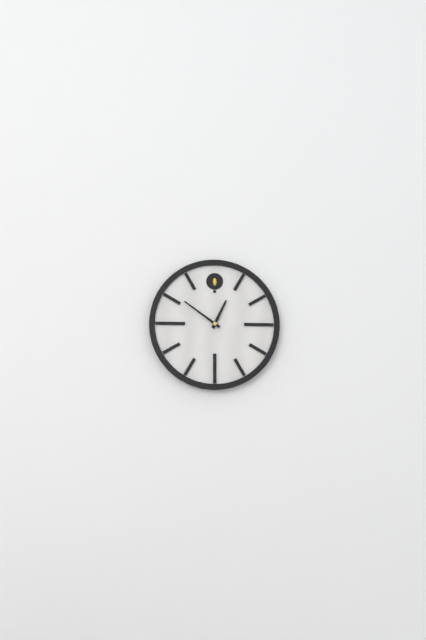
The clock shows 12:51
